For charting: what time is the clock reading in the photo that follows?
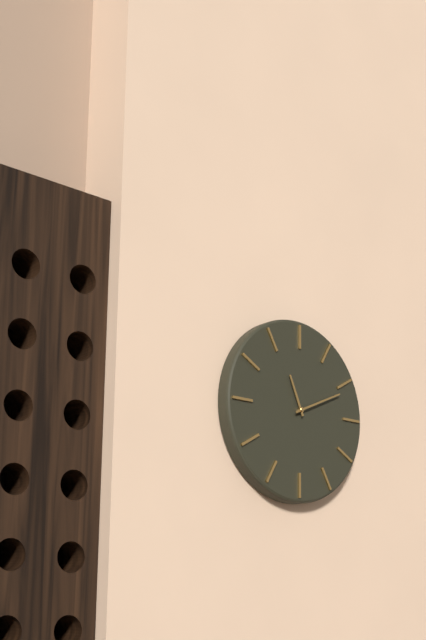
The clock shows 11:11
